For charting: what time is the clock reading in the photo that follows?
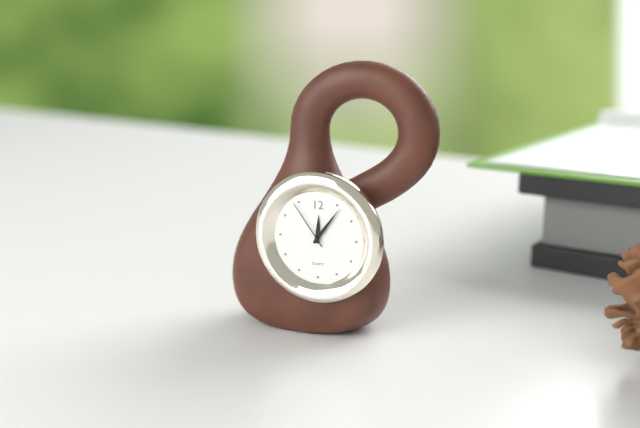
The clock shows 12:06:54
